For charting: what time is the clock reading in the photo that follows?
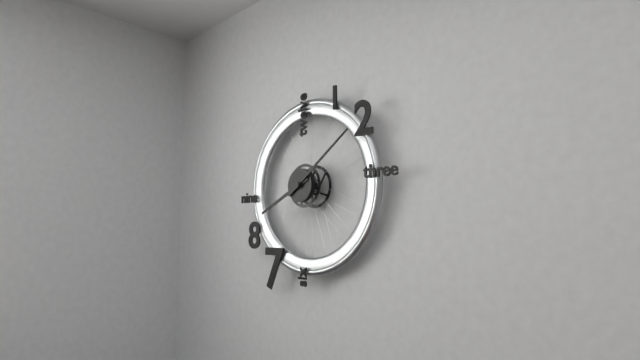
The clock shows 8:09
